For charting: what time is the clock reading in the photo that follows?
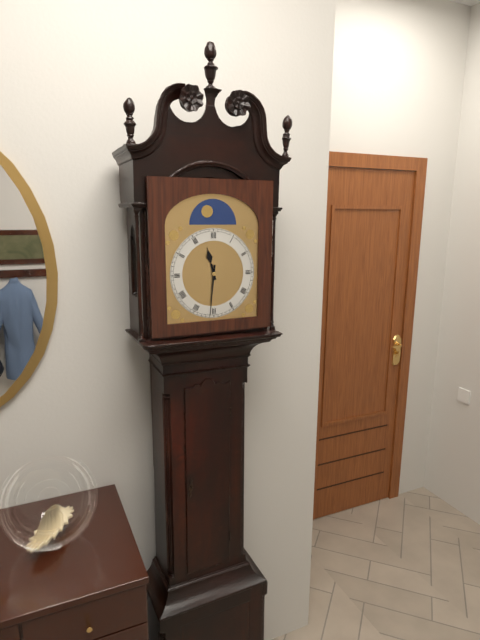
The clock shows 11:31
